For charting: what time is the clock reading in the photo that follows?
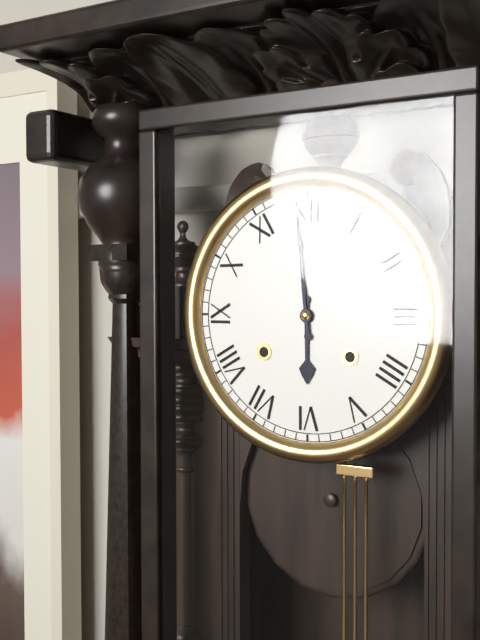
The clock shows 5:59
